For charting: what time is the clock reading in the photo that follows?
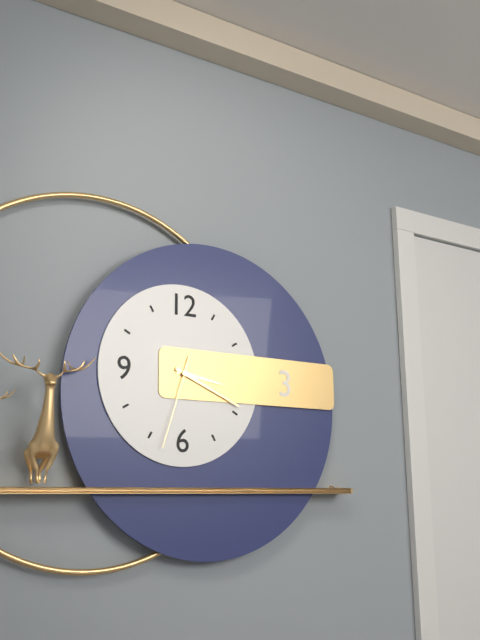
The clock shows 3:19:33
